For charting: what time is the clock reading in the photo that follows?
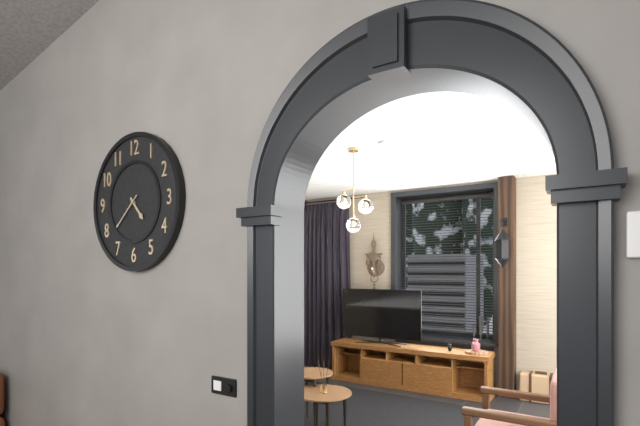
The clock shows 4:38
